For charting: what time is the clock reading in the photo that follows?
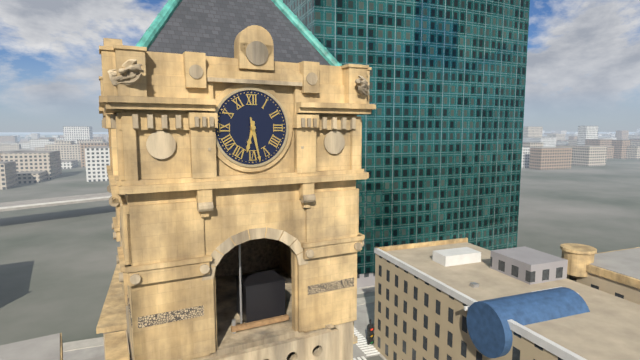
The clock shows 6:28
